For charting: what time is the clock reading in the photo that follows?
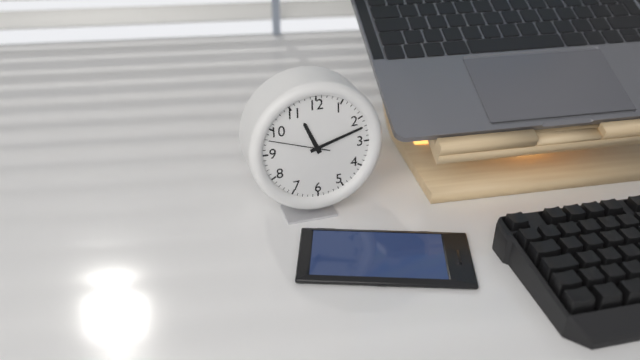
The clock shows 11:12:48
